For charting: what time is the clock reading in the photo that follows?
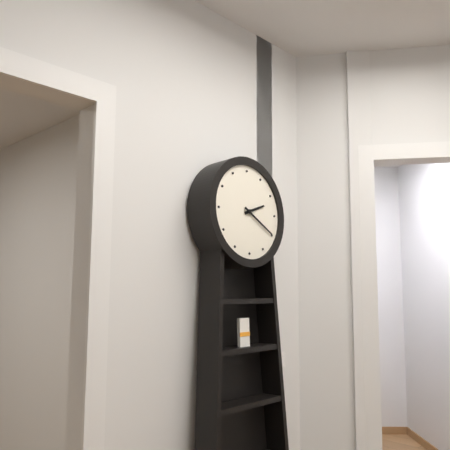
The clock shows 2:20
